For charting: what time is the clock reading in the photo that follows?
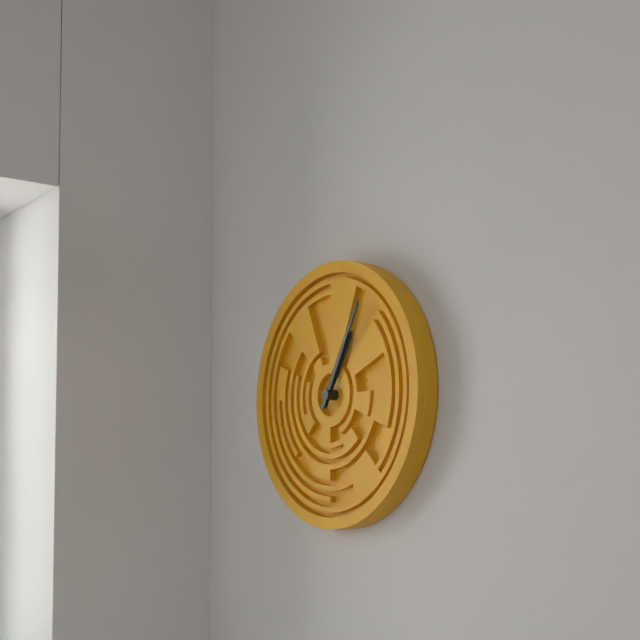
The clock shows 1:05
